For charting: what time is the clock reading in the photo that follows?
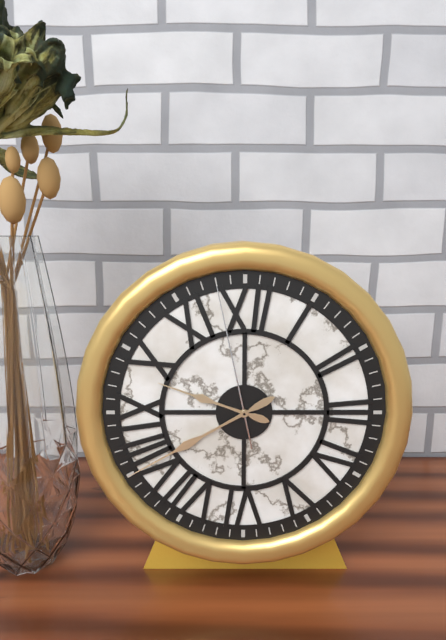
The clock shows 9:40:58
